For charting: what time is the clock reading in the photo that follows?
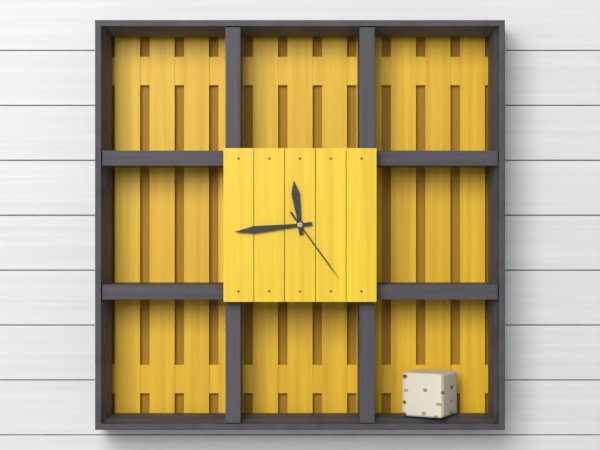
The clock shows 11:44:24
